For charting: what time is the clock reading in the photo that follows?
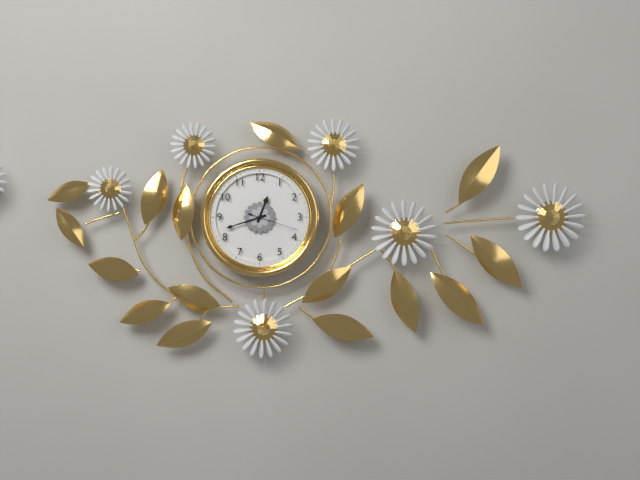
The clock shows 12:42:18
